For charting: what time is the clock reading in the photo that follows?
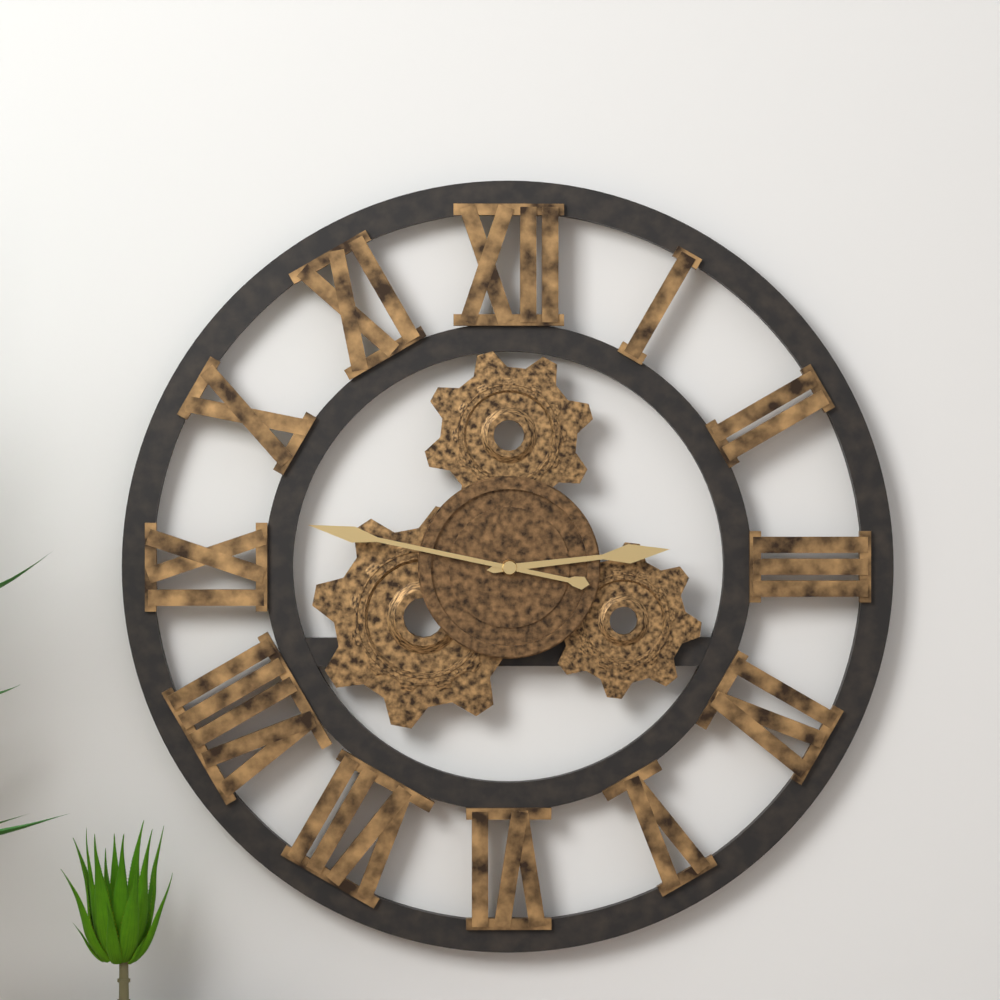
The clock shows 2:47
